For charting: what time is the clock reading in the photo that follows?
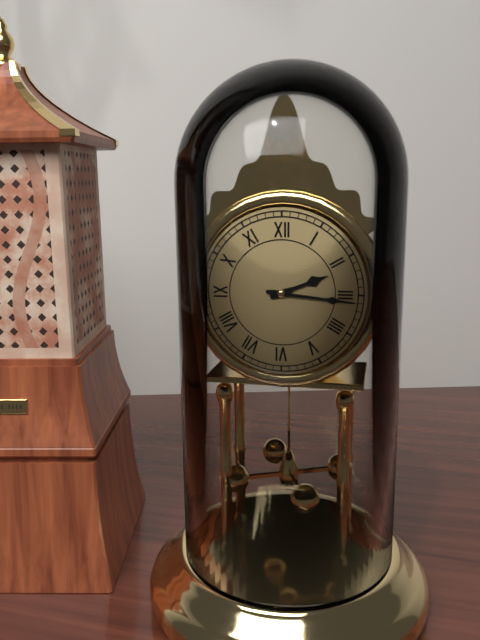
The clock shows 2:16
